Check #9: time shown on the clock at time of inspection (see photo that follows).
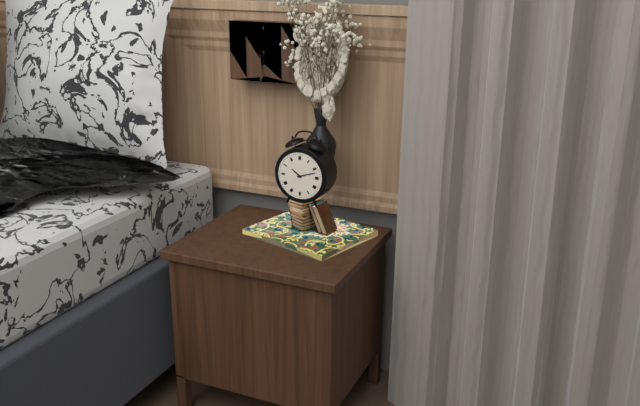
10:12
